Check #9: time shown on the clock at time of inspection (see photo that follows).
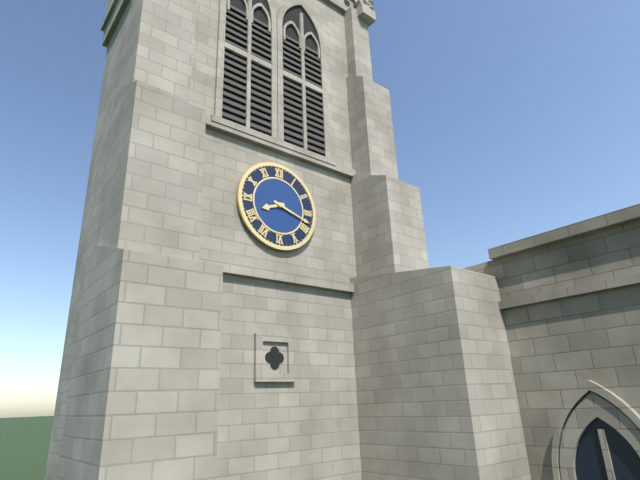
8:18
